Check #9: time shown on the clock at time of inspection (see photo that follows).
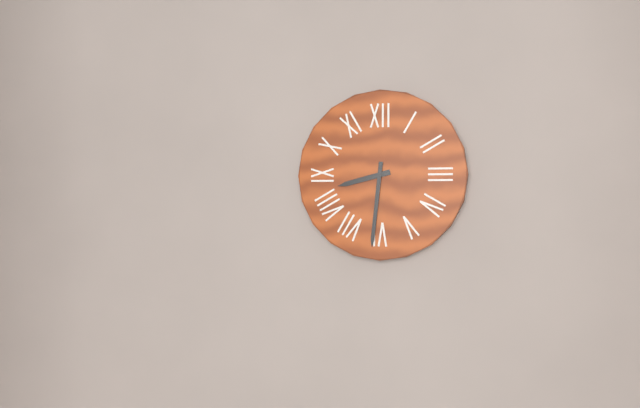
8:31
